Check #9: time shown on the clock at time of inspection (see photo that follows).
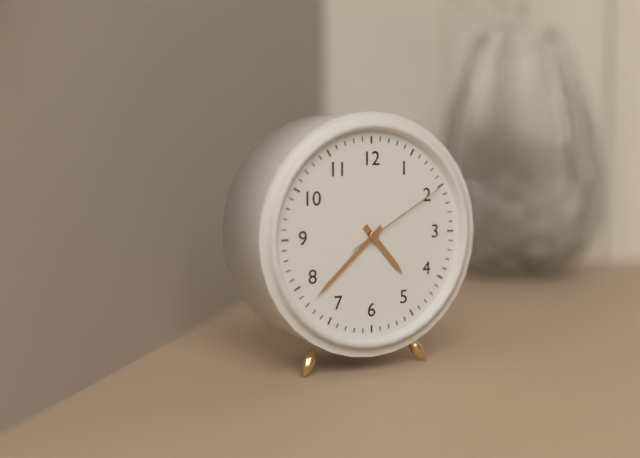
4:38:10
